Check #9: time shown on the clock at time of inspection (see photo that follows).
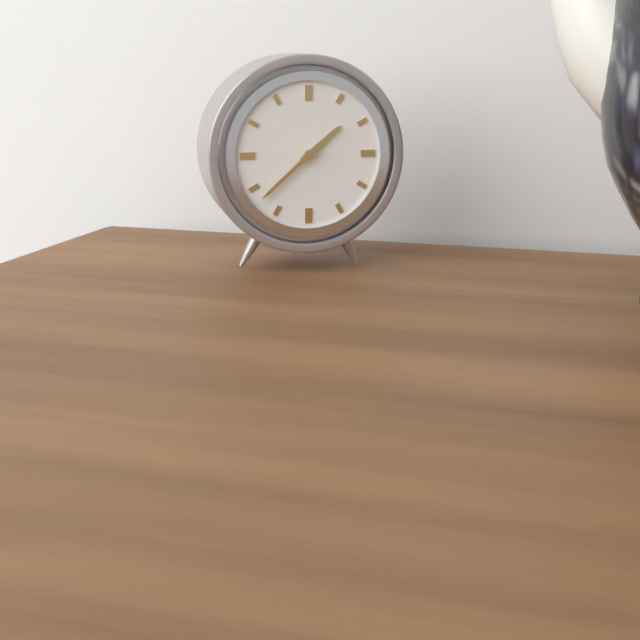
1:38
